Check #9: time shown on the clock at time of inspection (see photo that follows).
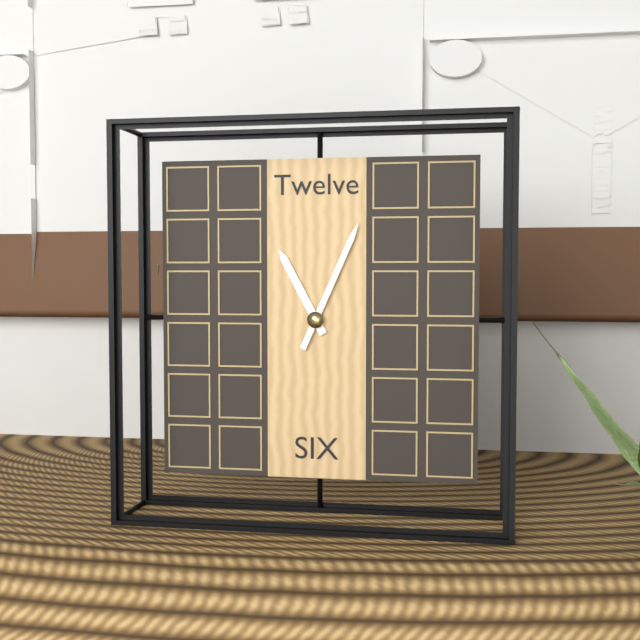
11:04
